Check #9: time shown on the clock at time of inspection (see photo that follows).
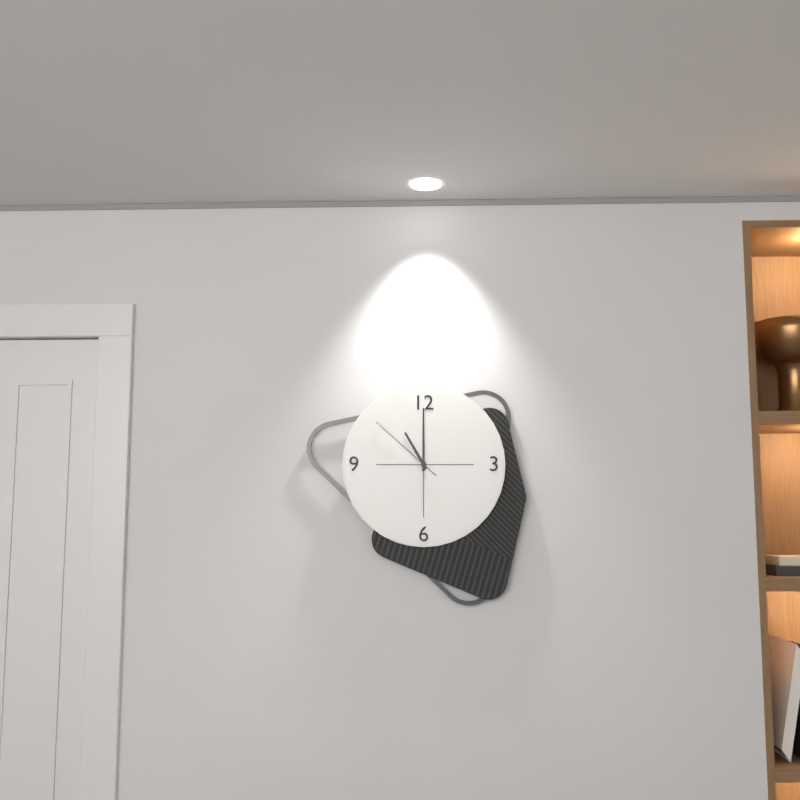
11:00:52
